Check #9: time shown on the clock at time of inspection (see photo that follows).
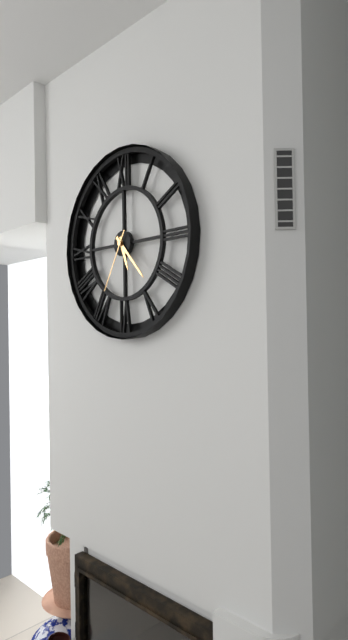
5:23:35
